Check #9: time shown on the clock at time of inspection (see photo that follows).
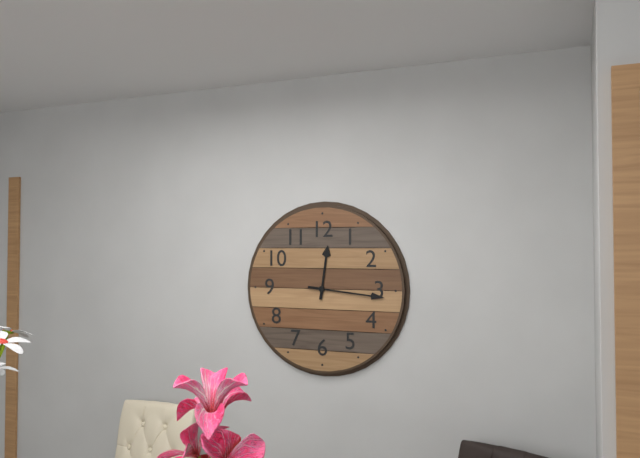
12:16
